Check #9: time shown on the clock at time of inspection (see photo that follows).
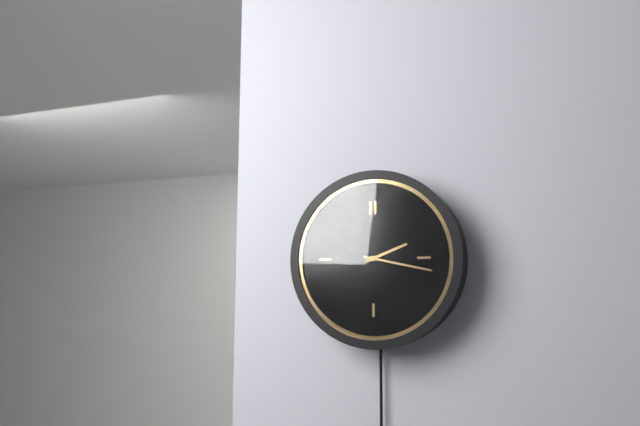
2:17
